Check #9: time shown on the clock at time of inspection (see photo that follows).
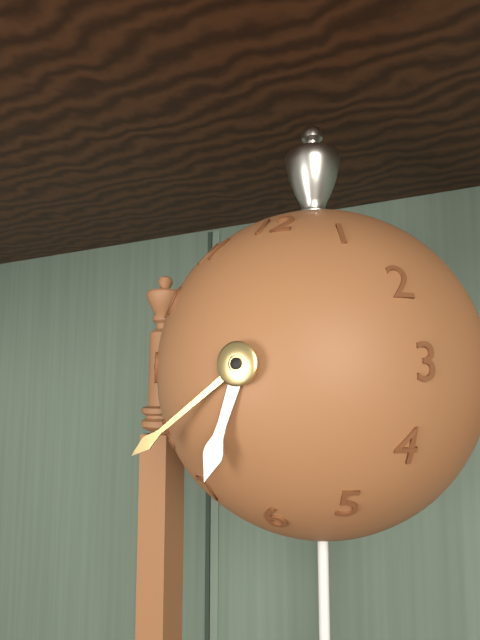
6:39
